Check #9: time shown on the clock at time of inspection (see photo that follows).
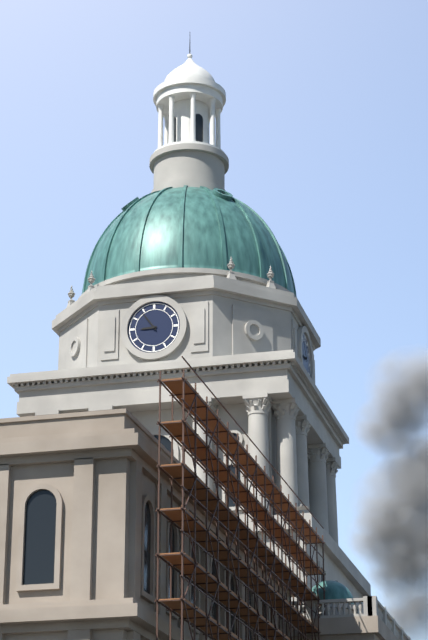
8:54
